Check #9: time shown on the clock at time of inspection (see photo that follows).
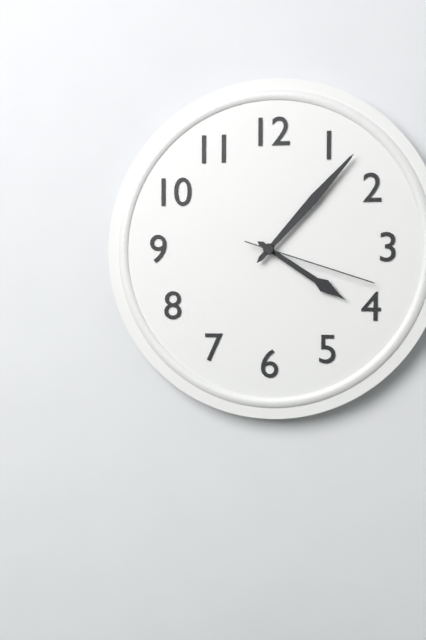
4:07:18
